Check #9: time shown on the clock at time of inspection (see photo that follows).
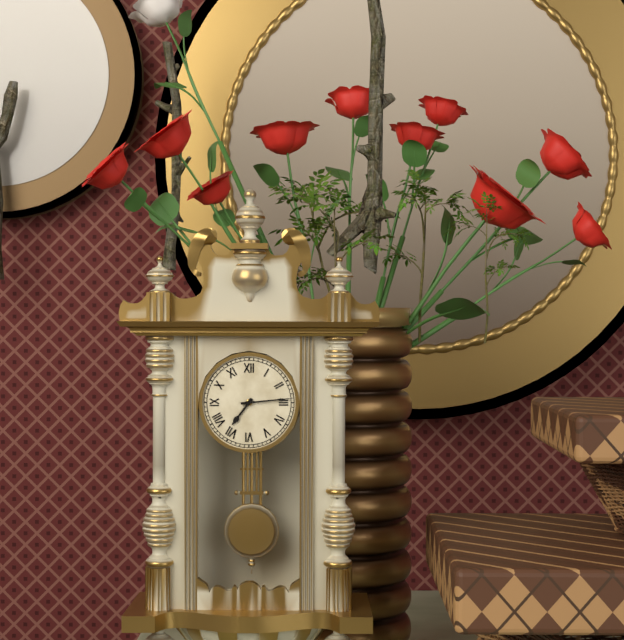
7:14
